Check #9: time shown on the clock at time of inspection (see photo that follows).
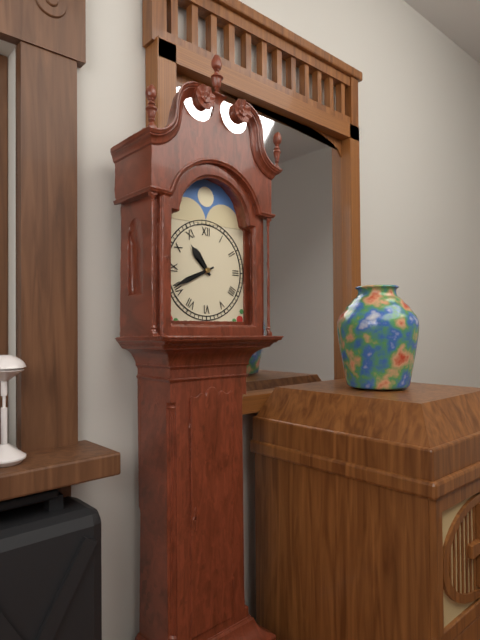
10:41
